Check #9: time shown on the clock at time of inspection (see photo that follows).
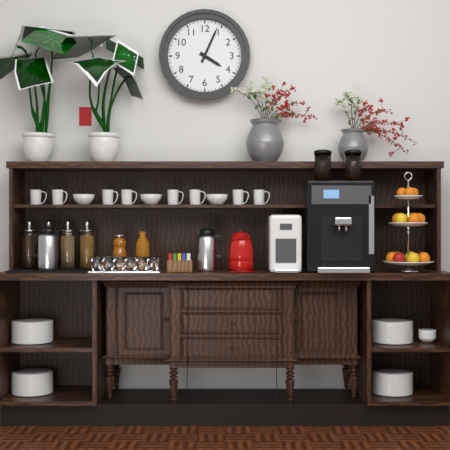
4:04
